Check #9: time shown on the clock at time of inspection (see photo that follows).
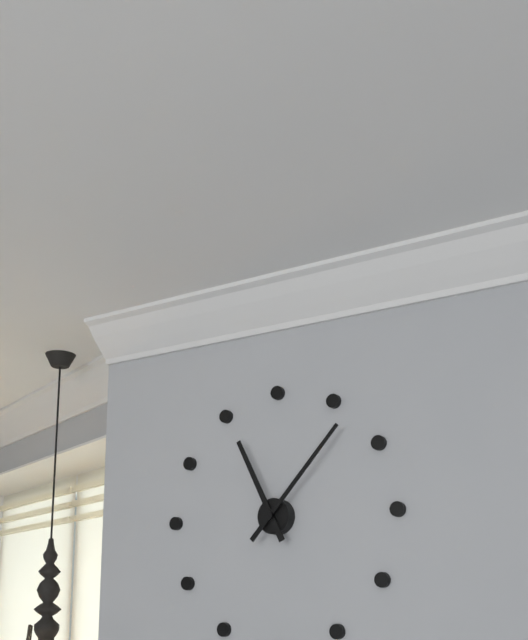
11:07
